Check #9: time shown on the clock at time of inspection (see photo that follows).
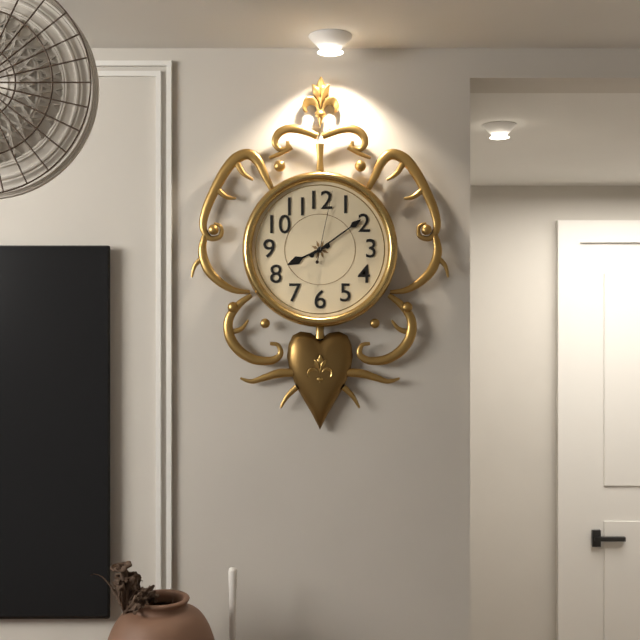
8:09:02
